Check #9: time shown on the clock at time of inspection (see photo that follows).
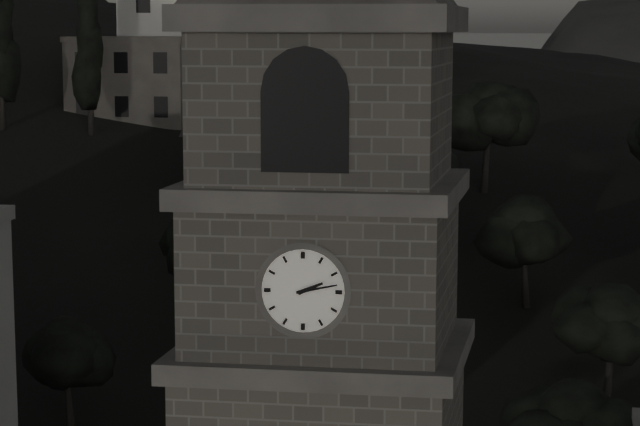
2:13
